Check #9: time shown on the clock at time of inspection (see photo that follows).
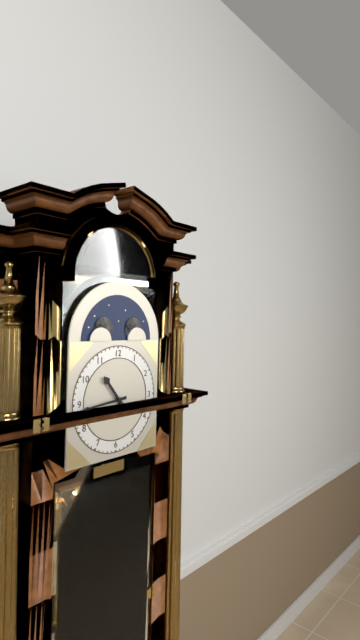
10:44
